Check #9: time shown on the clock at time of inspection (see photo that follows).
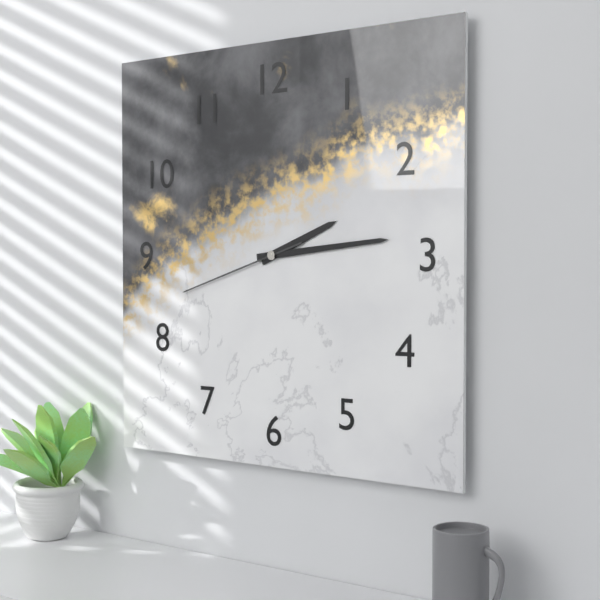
2:14:42
